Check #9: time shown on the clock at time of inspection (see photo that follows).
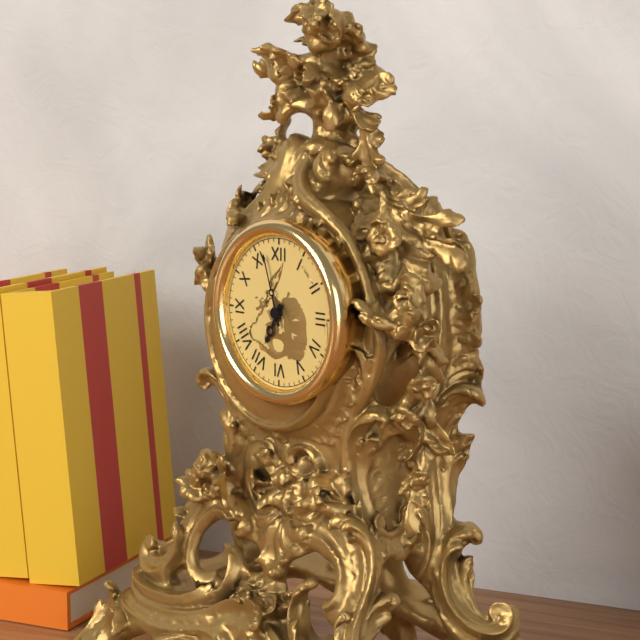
6:57
